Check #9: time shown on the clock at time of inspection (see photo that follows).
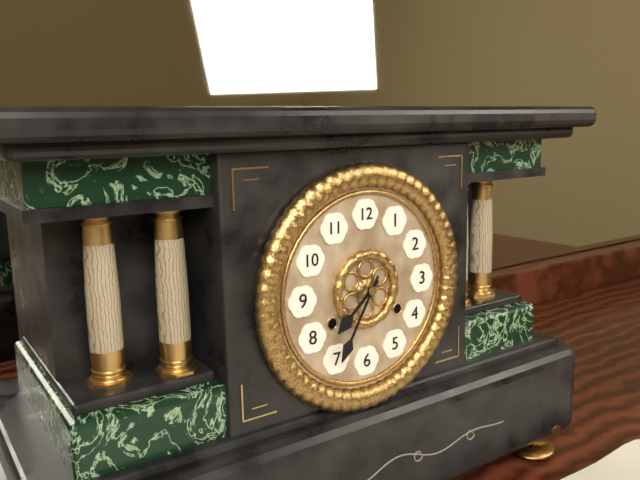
7:35
